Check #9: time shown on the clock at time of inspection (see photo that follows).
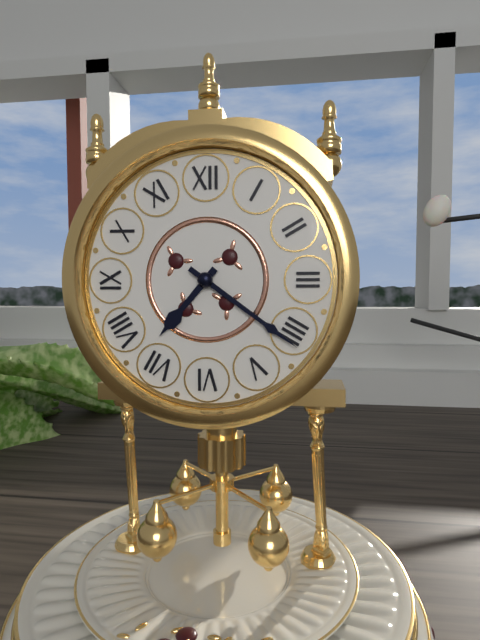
7:21
